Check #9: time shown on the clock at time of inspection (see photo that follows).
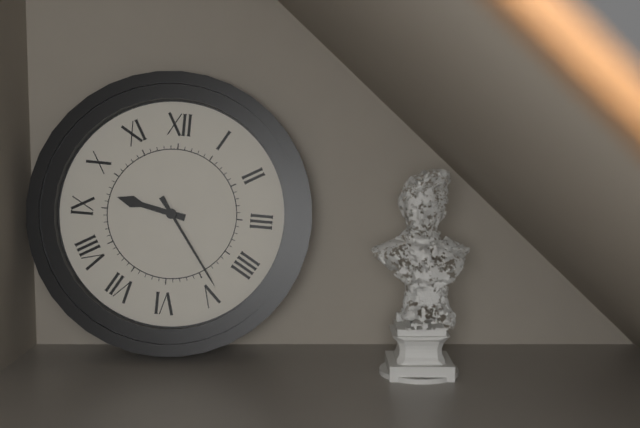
9:24
